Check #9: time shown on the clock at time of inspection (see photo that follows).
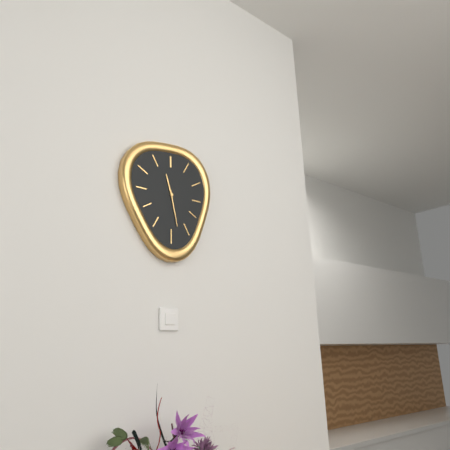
11:28
